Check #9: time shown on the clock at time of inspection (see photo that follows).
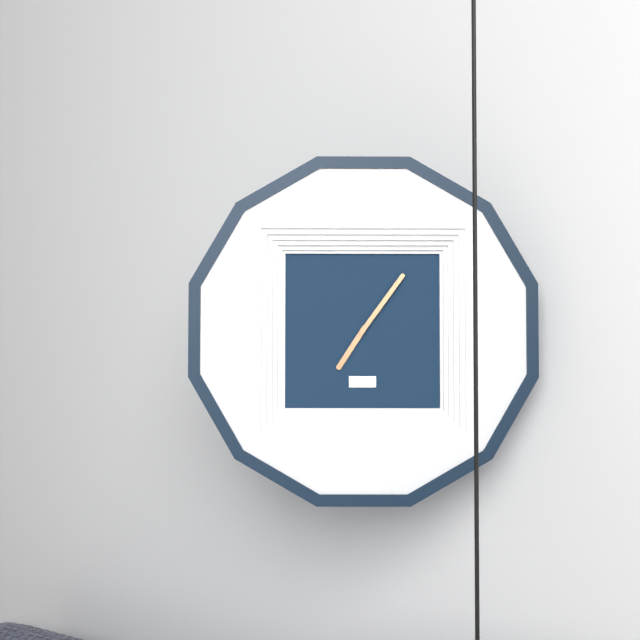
7:06
